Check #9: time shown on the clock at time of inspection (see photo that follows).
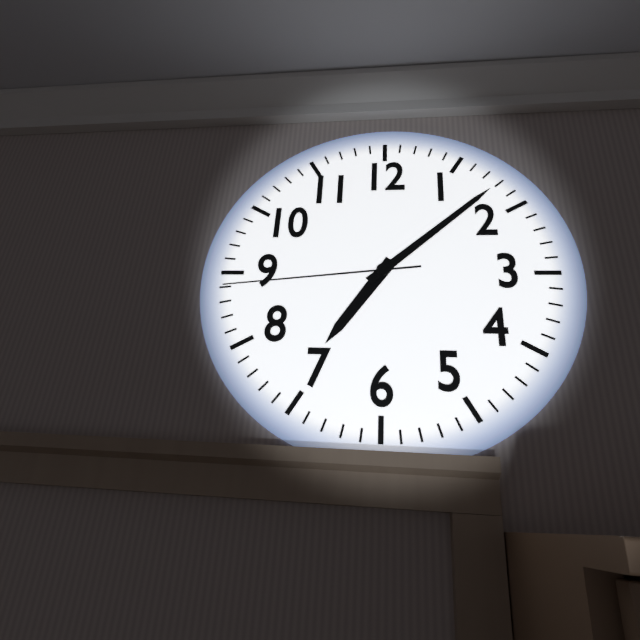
7:08:44
